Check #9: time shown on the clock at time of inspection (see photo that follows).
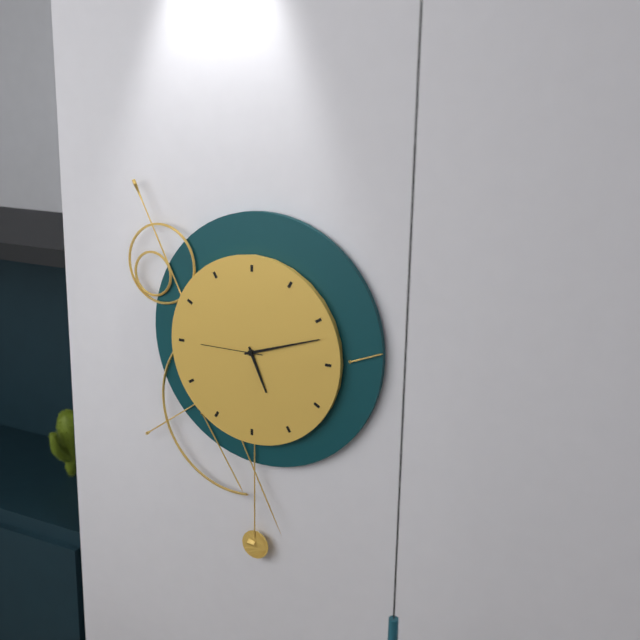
5:12:45
